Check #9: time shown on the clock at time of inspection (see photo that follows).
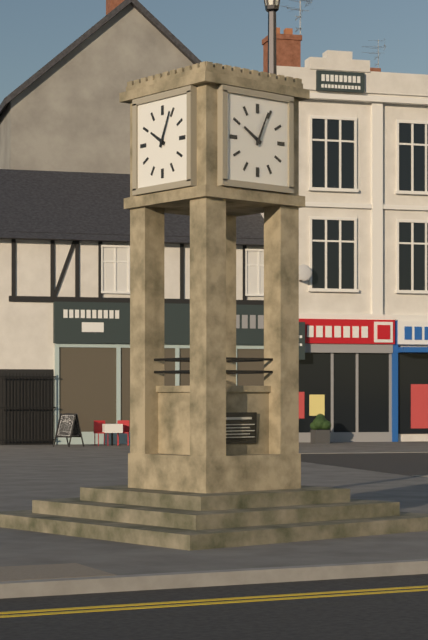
10:04
